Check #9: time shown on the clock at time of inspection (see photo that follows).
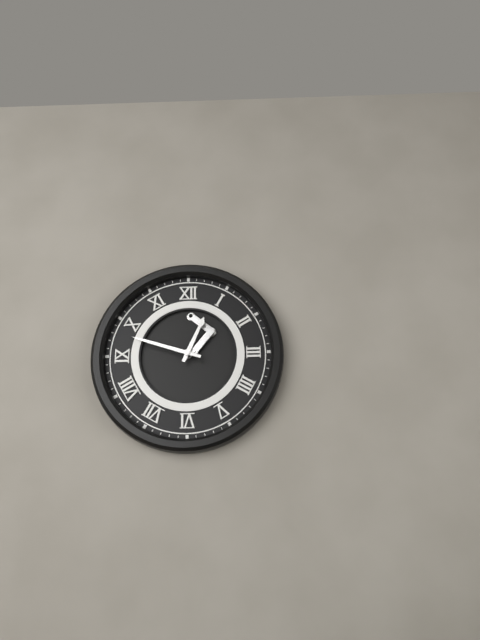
12:48
